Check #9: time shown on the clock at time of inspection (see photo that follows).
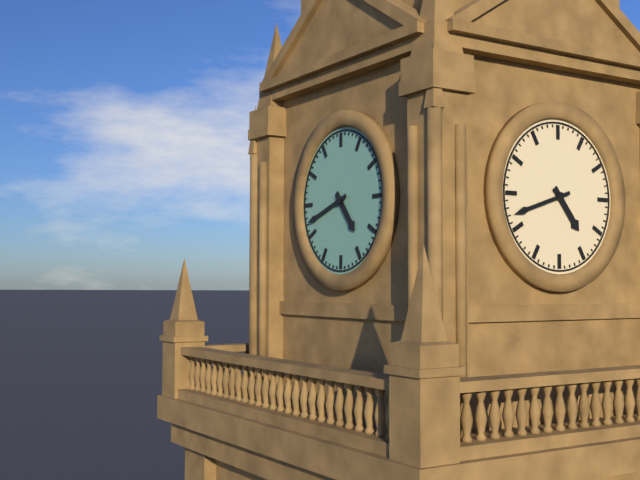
4:42
